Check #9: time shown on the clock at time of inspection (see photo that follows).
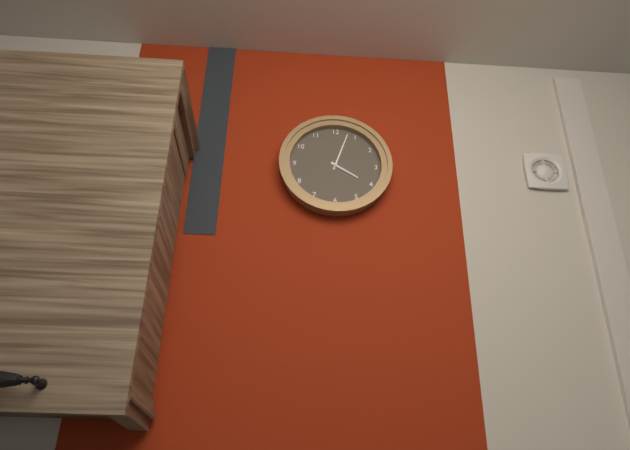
4:03
